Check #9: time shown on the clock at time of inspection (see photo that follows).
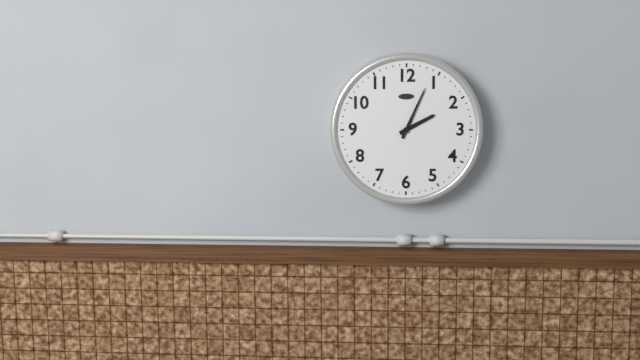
2:04
